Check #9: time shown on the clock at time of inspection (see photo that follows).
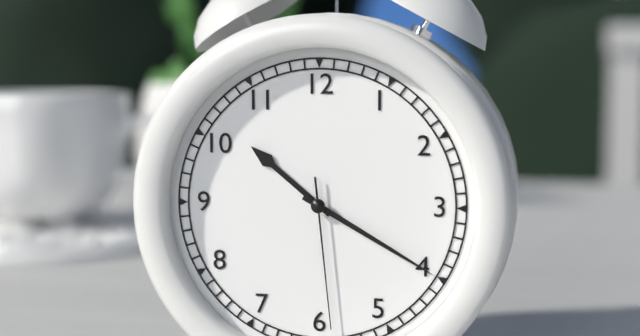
10:20:29
